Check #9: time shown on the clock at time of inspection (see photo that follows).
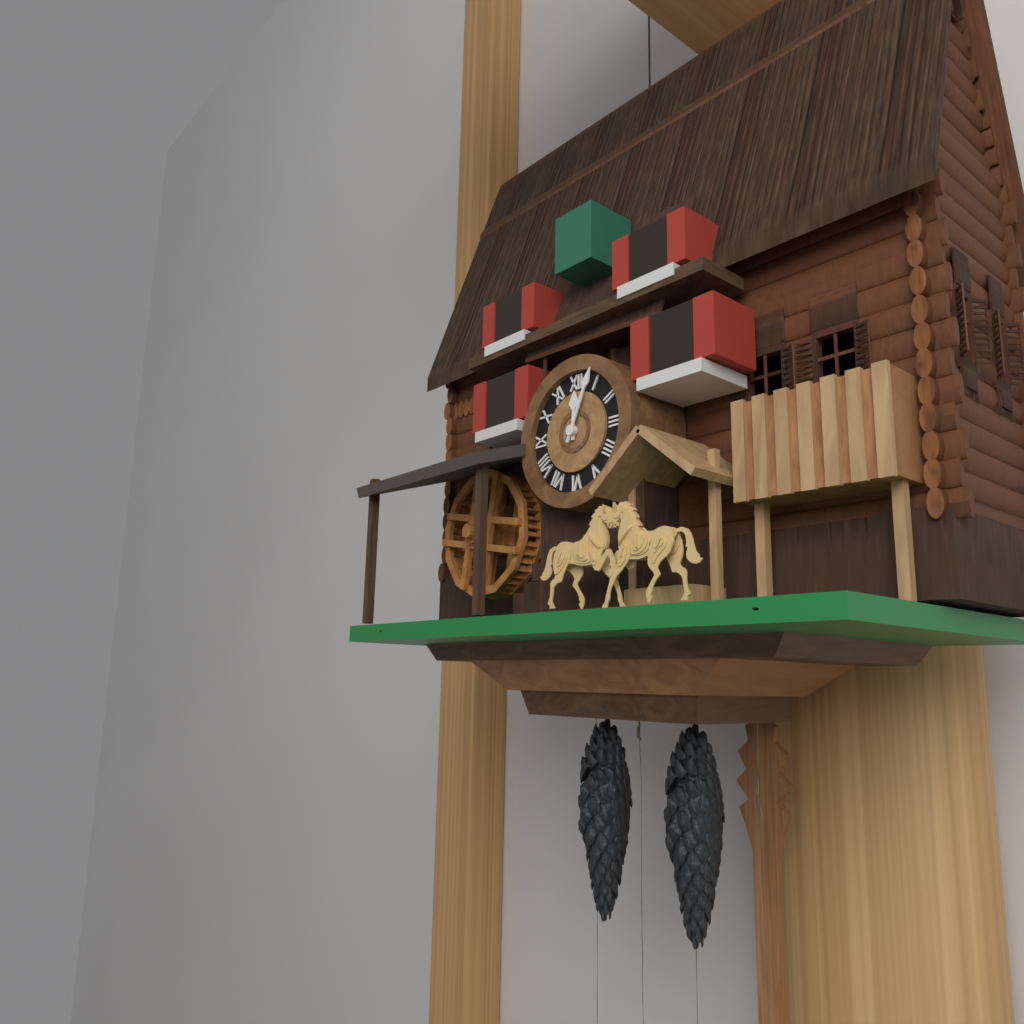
12:04
